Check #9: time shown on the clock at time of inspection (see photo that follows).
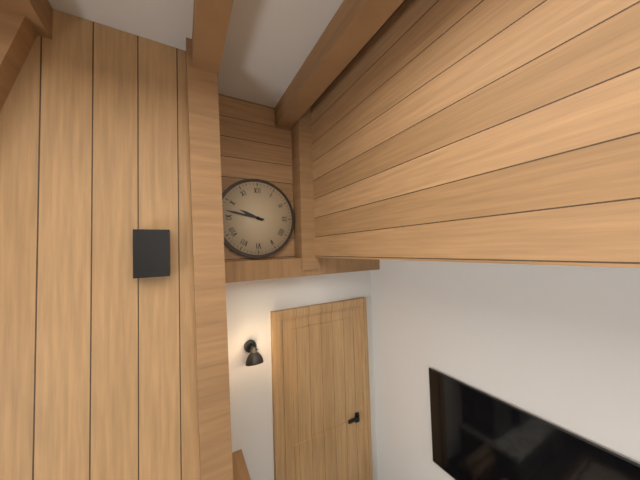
9:47
